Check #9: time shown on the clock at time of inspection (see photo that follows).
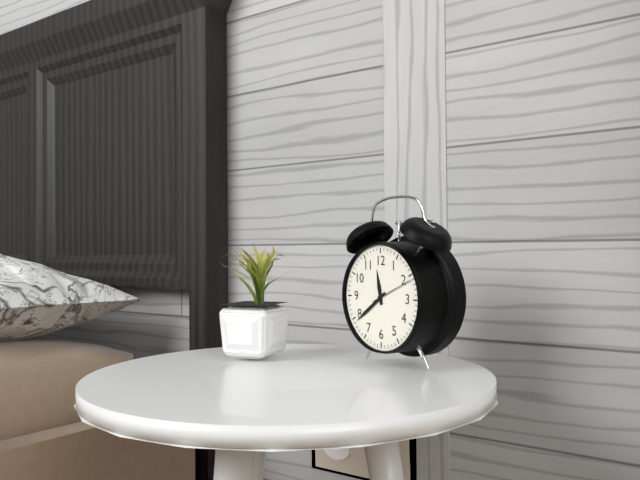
11:39
